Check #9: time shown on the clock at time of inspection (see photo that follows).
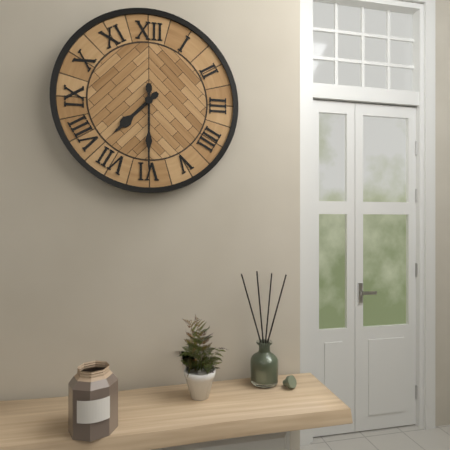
7:30
